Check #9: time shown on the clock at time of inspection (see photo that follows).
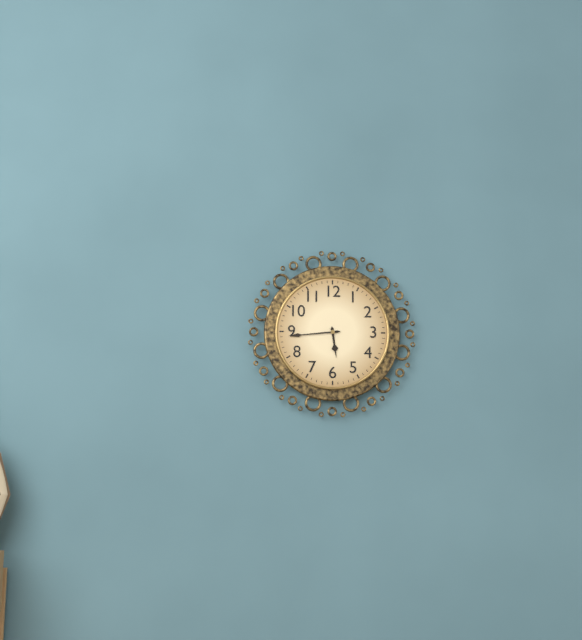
5:44
